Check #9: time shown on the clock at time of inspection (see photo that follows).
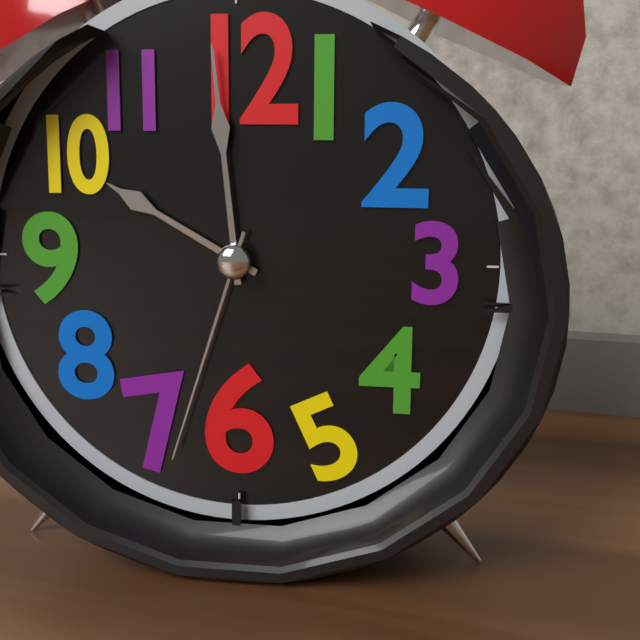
9:59:33
